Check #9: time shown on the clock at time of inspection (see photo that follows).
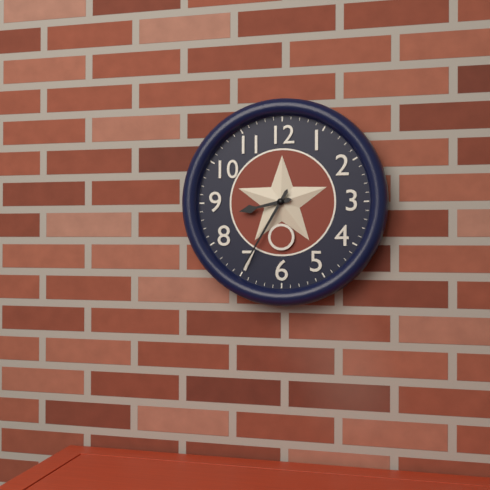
8:35
